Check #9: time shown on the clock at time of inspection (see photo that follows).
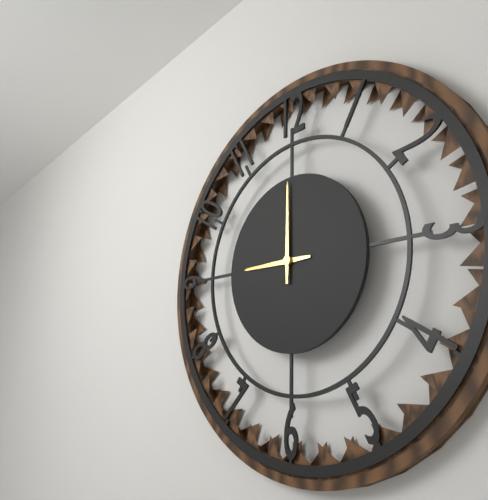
9:00
